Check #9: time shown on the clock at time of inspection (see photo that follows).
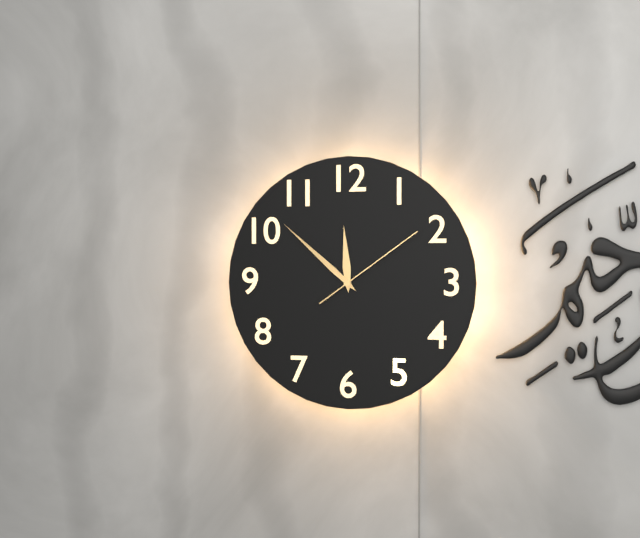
11:52:09
